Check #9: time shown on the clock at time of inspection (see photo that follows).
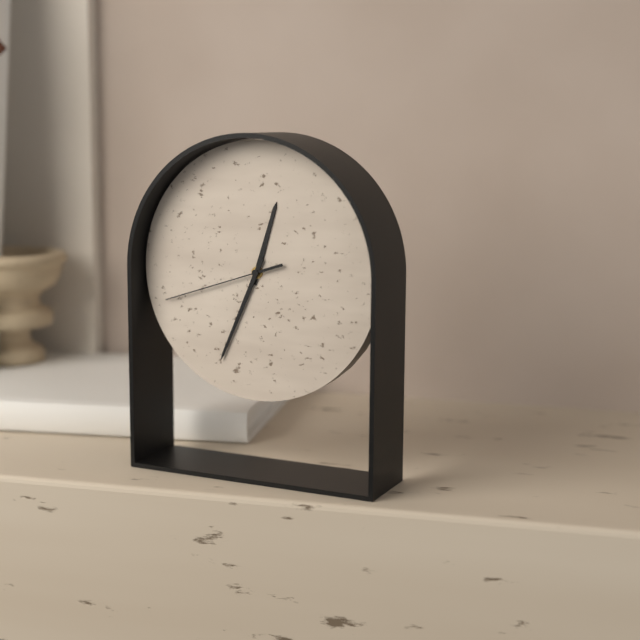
12:34:42
